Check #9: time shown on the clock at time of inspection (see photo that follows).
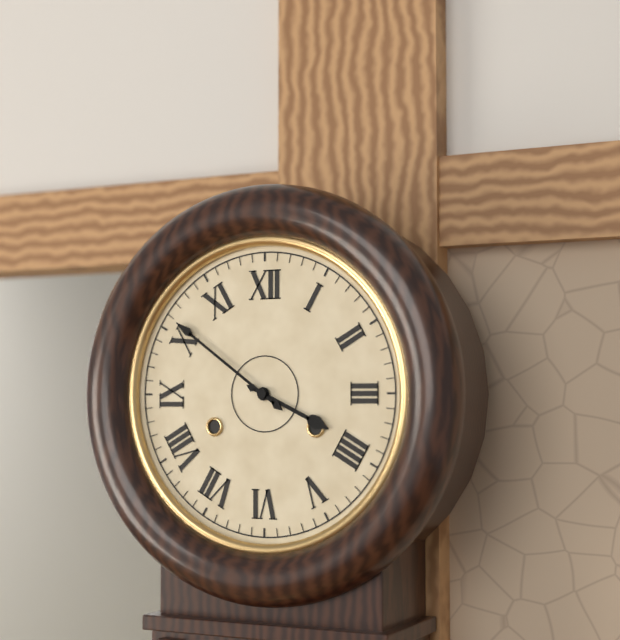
3:51
